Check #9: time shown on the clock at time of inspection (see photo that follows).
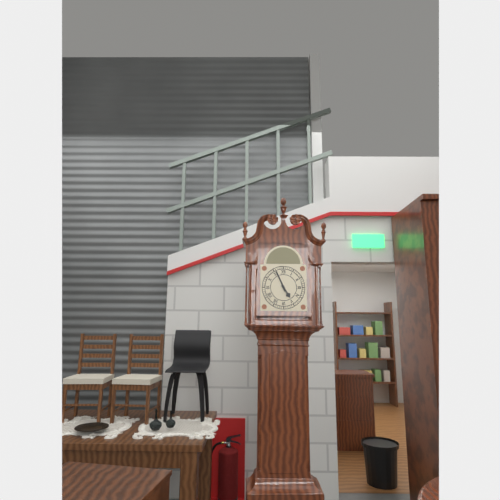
4:56
